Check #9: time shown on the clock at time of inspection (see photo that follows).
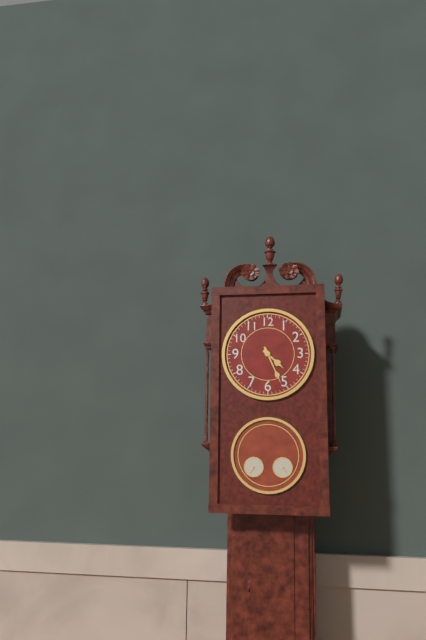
4:26
